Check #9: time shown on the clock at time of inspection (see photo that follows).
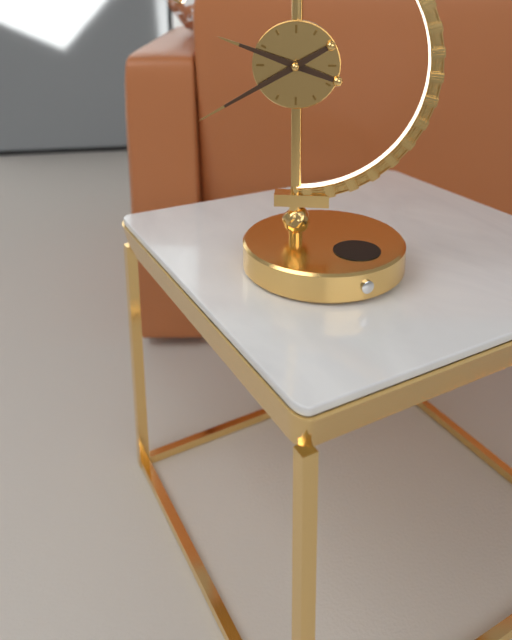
9:40
